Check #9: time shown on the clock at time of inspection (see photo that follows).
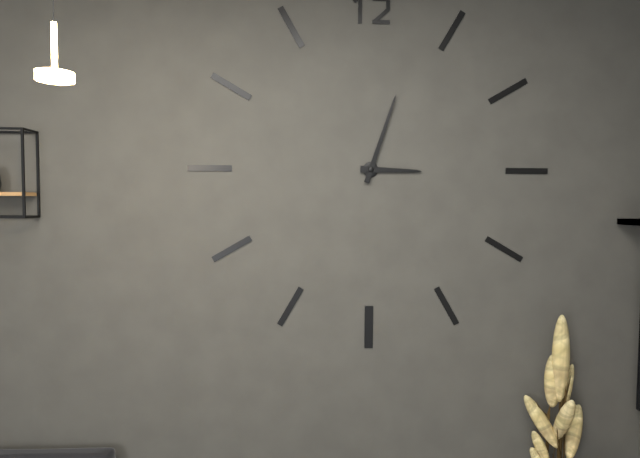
3:03
